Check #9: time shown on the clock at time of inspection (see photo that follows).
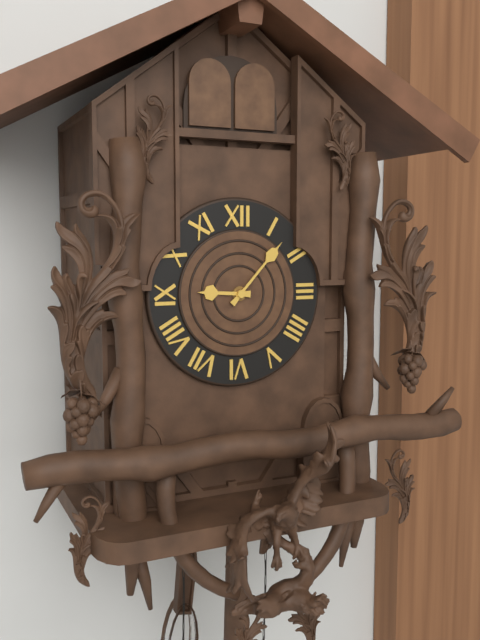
9:07
